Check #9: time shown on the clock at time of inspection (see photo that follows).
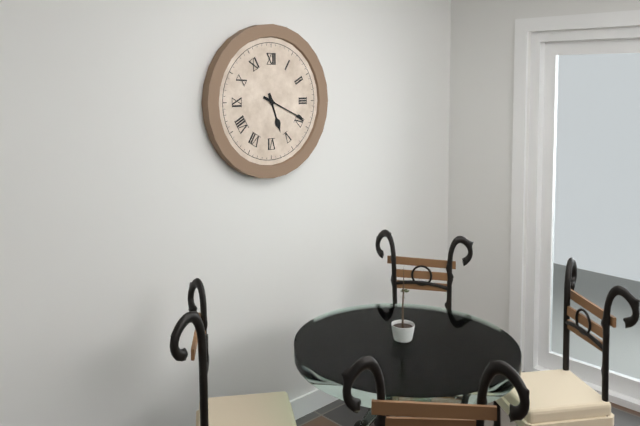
5:19
